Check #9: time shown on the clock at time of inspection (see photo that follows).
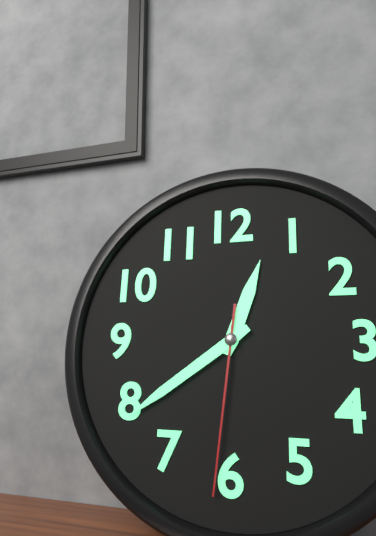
12:39:31
